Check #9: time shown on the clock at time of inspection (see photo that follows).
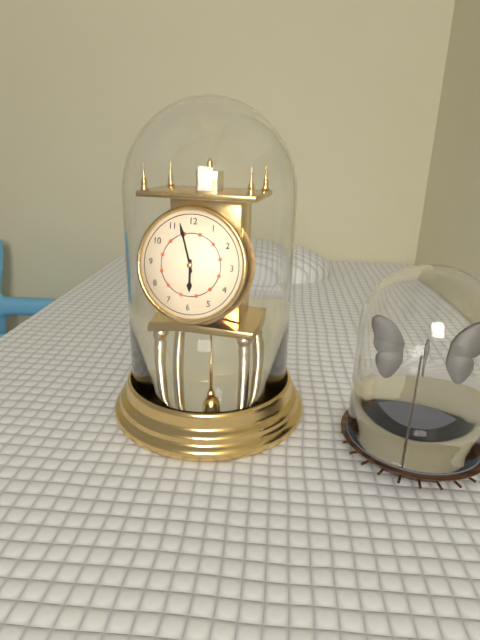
5:57
